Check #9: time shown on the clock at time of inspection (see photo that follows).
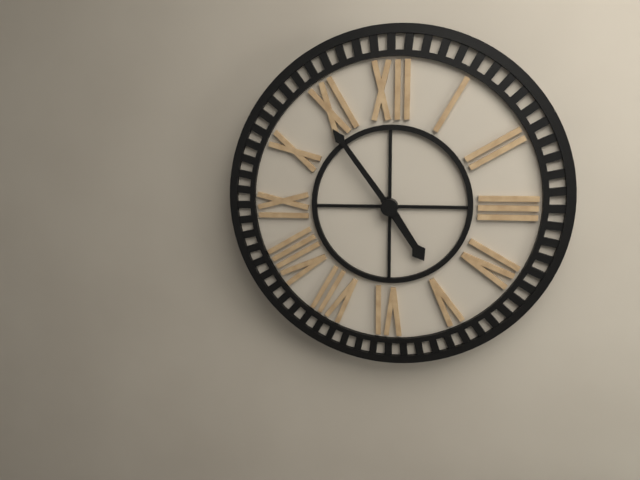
4:54
